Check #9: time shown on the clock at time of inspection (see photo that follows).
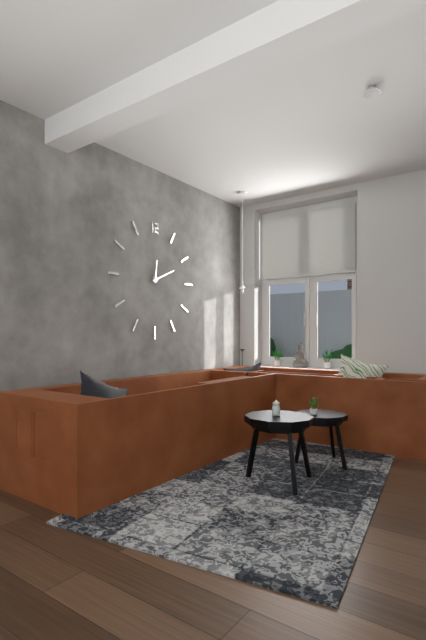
12:11
